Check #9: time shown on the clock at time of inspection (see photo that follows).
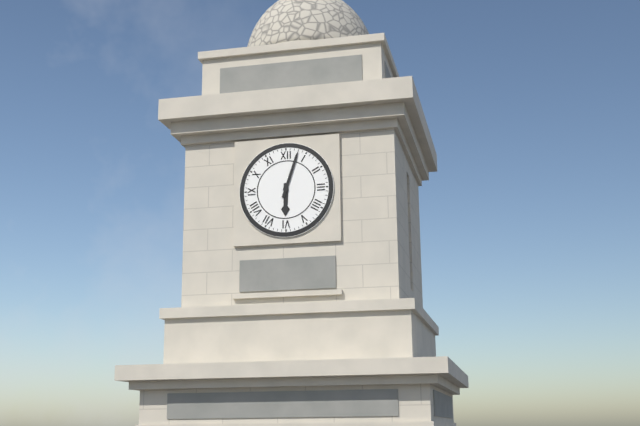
6:03
